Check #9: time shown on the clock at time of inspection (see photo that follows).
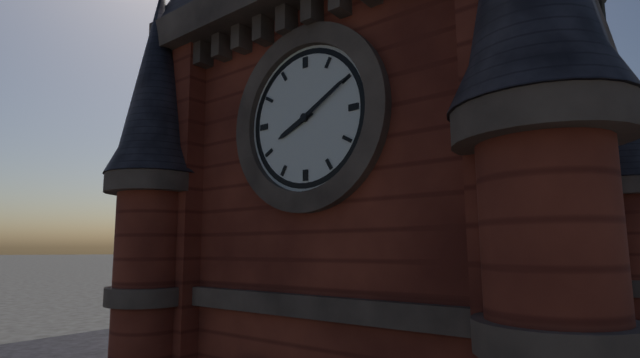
8:10
